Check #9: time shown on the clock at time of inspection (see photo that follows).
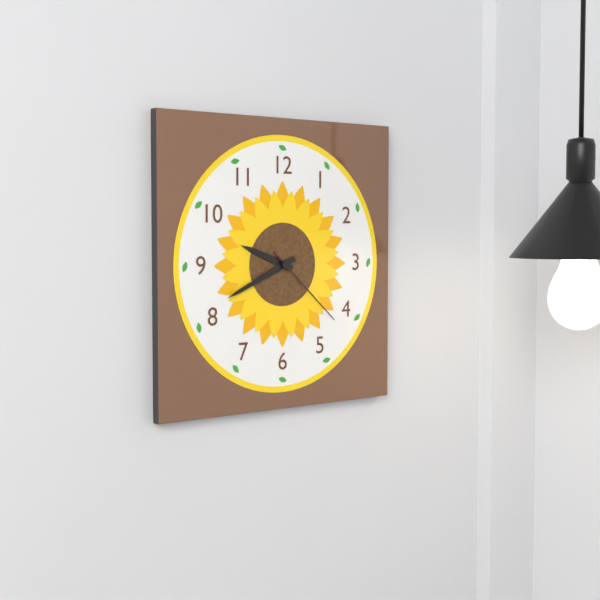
9:41:22
